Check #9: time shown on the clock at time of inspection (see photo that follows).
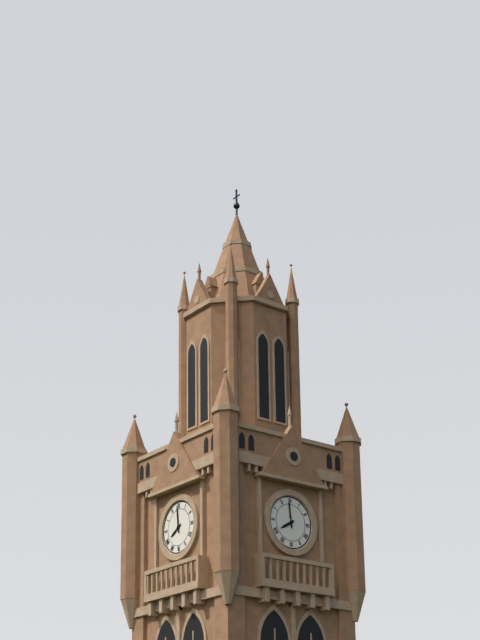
7:59
